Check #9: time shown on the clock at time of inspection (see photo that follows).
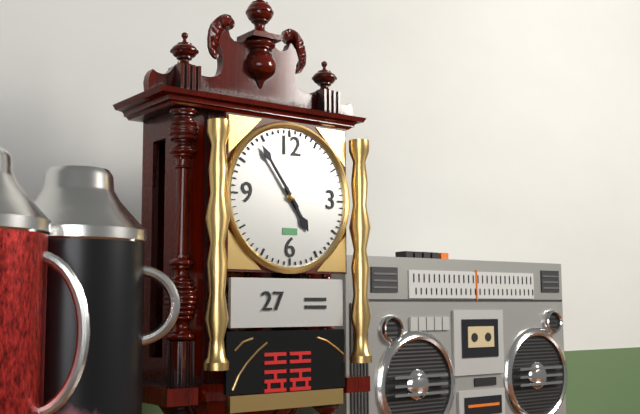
4:54
